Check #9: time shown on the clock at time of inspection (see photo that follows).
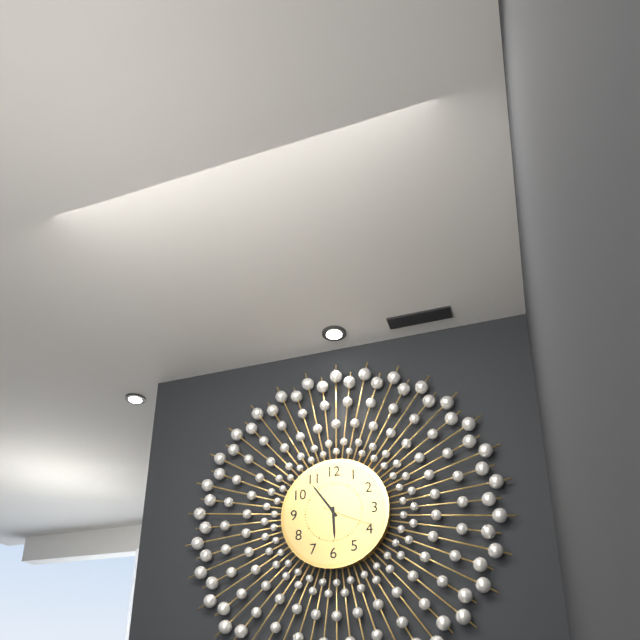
5:54:19
